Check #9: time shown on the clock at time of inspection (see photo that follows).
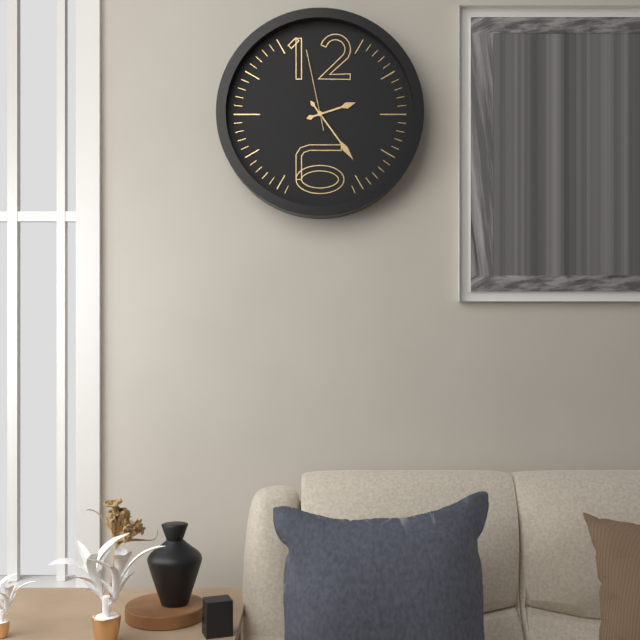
2:24:58
